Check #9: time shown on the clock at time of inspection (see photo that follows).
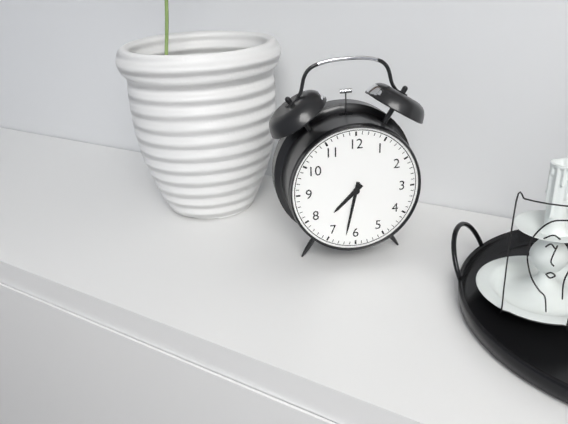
7:32
